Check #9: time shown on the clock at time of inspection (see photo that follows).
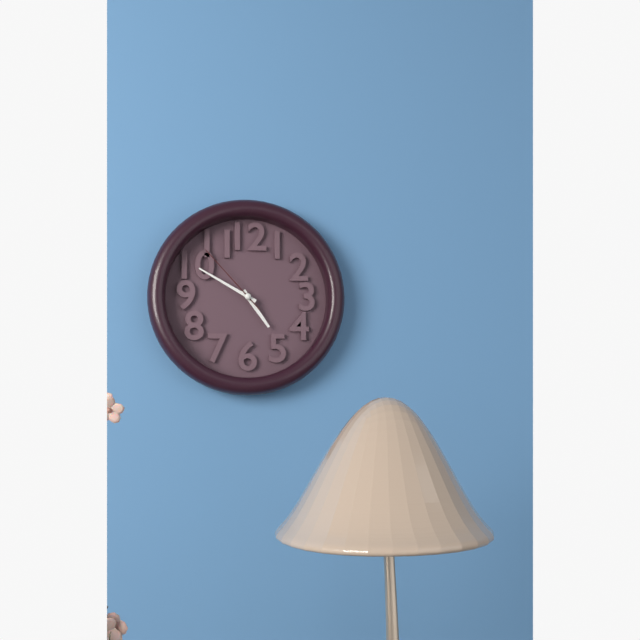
4:50:53
